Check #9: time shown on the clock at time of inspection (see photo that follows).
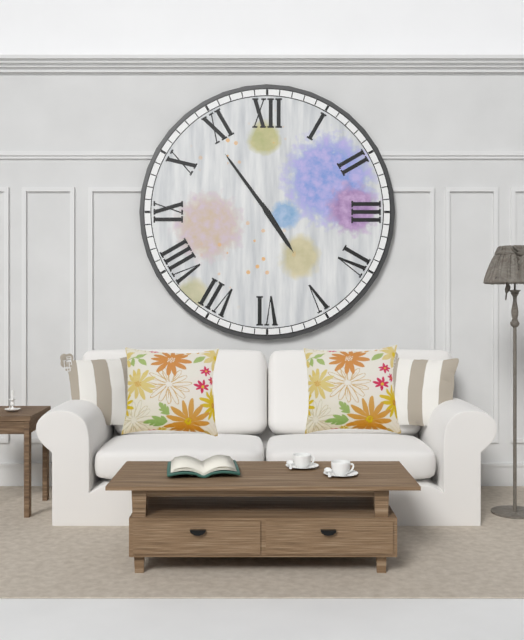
4:54
